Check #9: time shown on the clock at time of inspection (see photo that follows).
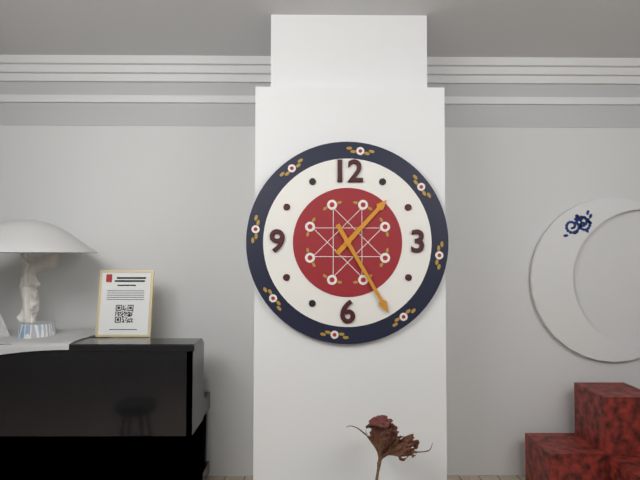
1:25
